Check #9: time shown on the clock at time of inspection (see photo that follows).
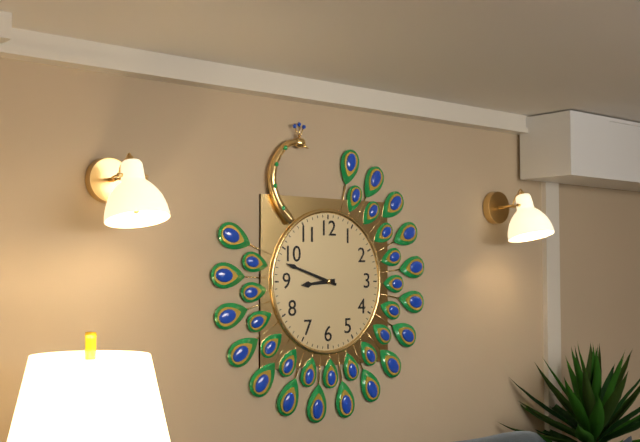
8:48
